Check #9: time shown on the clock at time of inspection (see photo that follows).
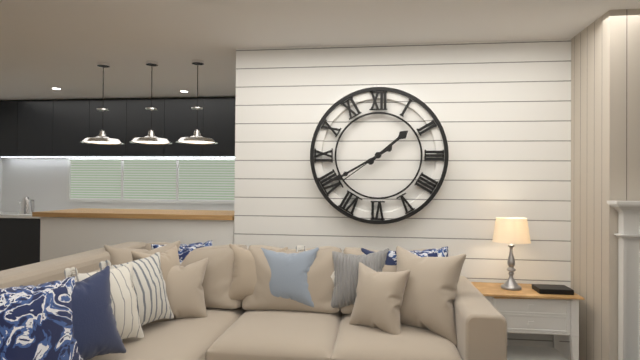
1:40:39
